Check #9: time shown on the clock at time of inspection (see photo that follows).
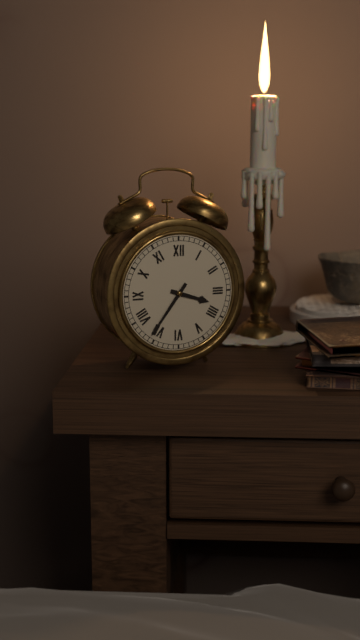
3:36
